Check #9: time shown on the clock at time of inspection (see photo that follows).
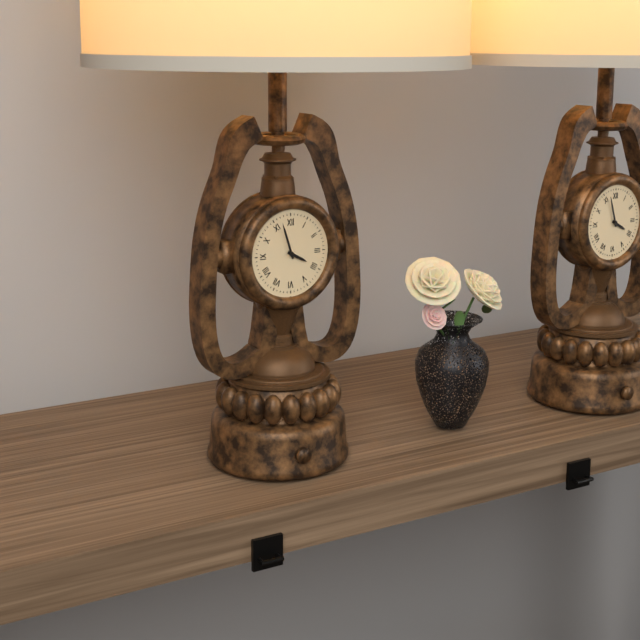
3:57
